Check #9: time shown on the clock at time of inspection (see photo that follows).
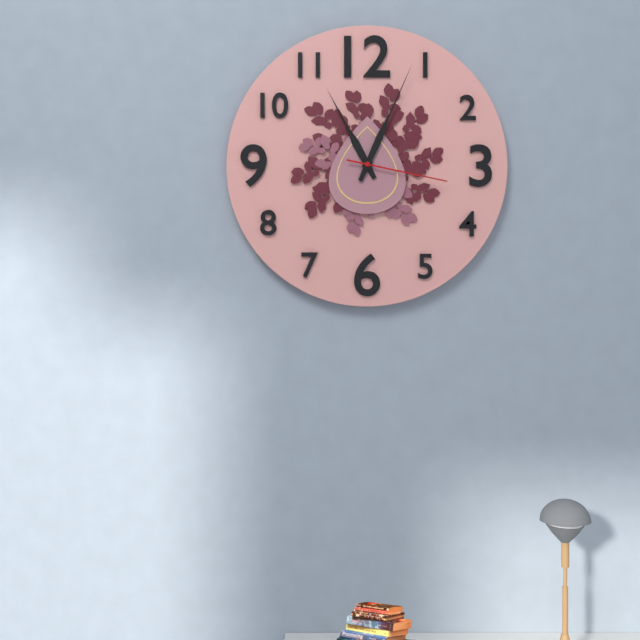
11:04:17
